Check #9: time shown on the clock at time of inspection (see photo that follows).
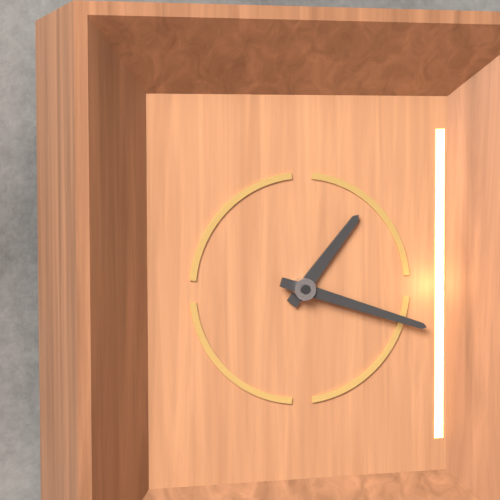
1:18
